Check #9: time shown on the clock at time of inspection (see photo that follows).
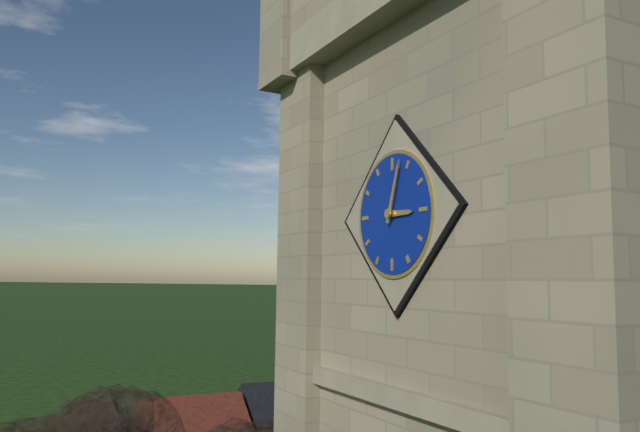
3:03
